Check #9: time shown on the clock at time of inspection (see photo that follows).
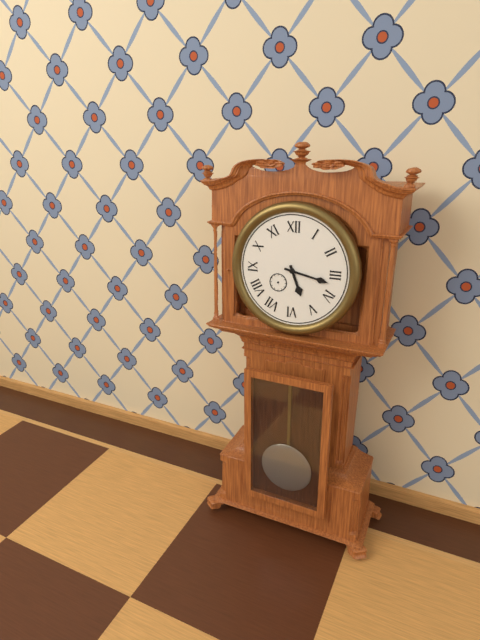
5:17
